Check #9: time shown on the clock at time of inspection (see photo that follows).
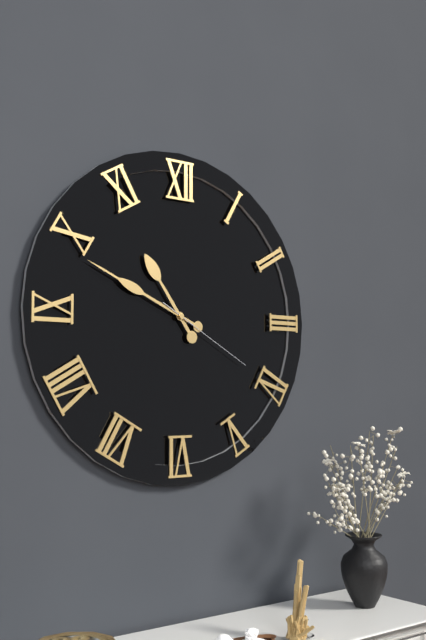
10:49:20
